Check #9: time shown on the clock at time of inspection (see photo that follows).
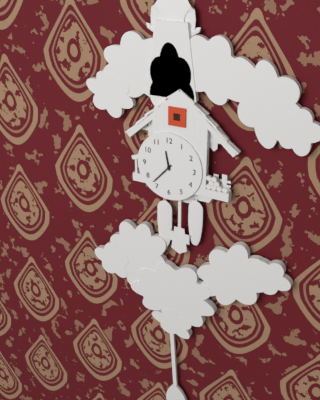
11:37
